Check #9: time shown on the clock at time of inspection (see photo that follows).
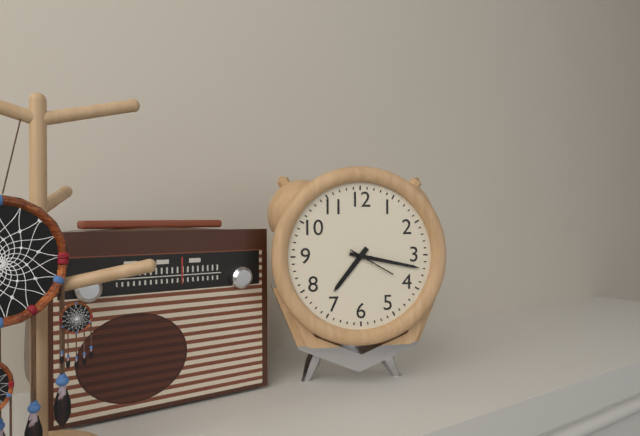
7:17
